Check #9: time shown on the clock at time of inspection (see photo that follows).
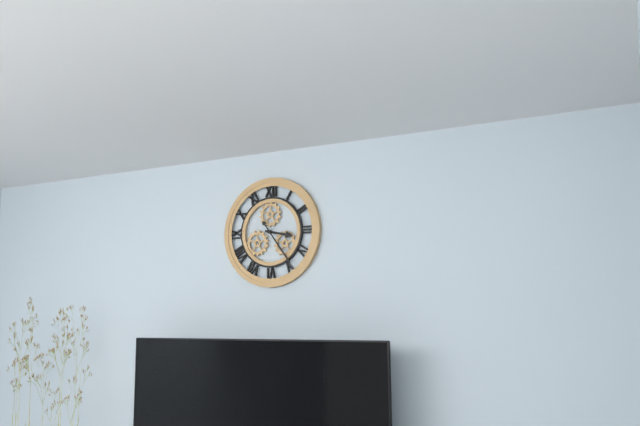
3:24
